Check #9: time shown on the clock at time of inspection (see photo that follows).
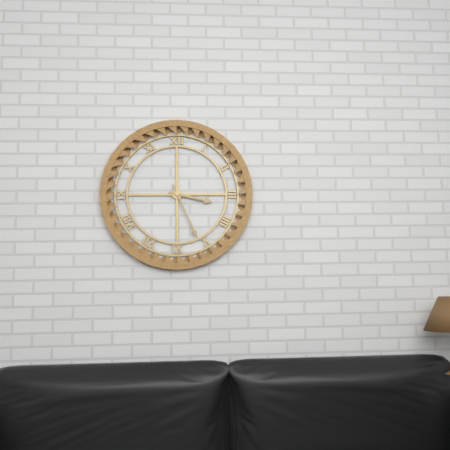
3:26
